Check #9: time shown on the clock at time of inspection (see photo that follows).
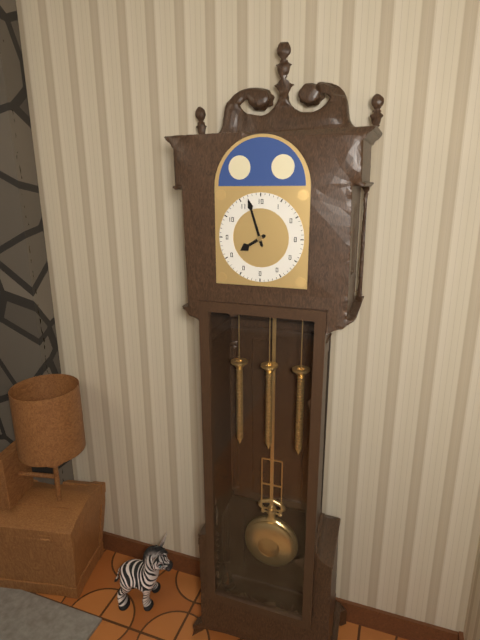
7:57
